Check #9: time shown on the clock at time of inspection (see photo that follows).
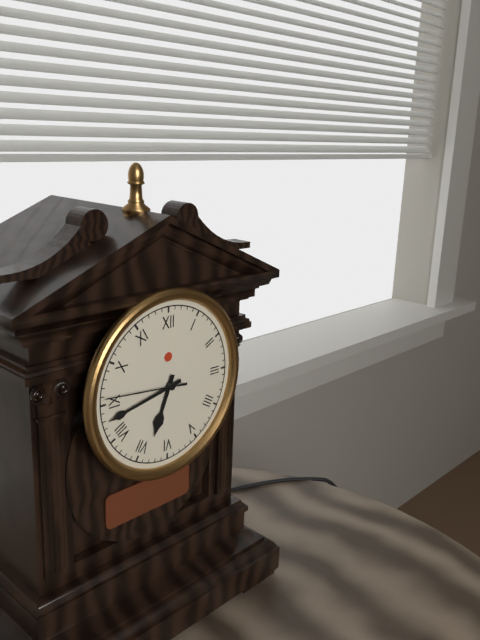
6:43:46
